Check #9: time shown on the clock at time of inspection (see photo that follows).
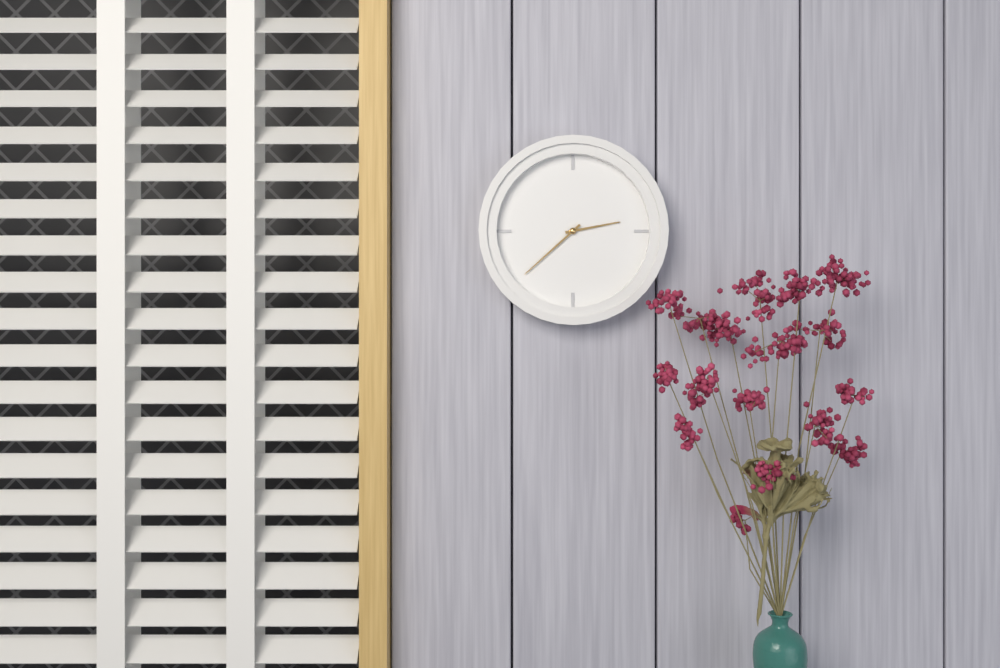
2:38
